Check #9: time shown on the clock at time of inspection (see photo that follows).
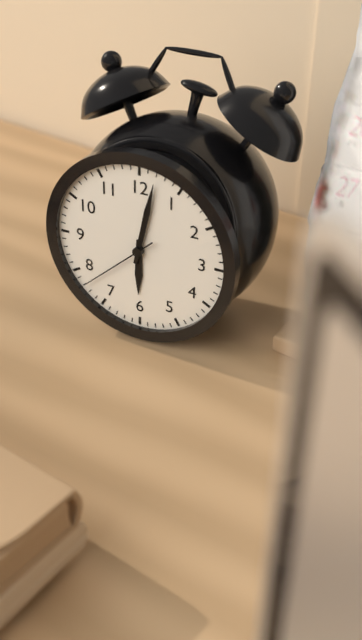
6:02:38
